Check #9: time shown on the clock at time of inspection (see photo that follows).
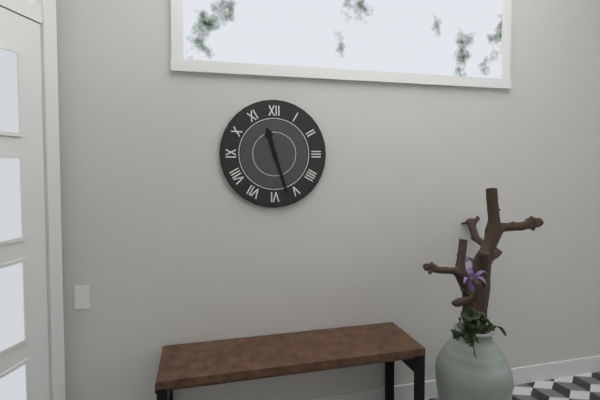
11:27
